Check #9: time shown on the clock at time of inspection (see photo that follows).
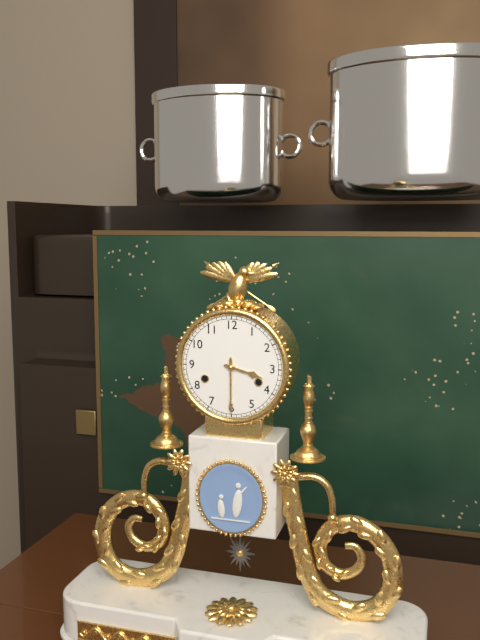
3:30
